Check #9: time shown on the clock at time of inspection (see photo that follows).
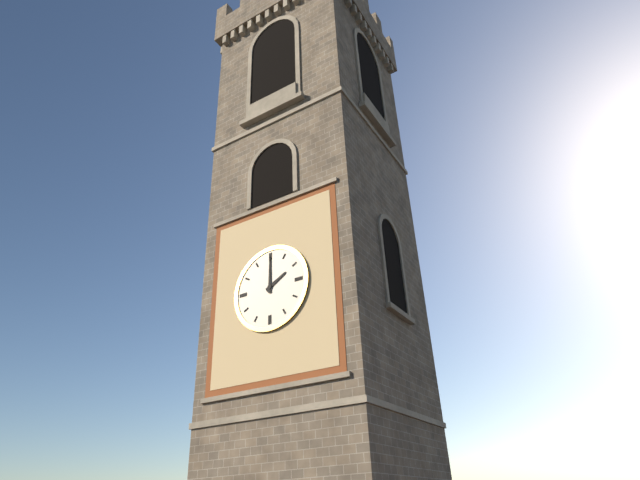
2:00
